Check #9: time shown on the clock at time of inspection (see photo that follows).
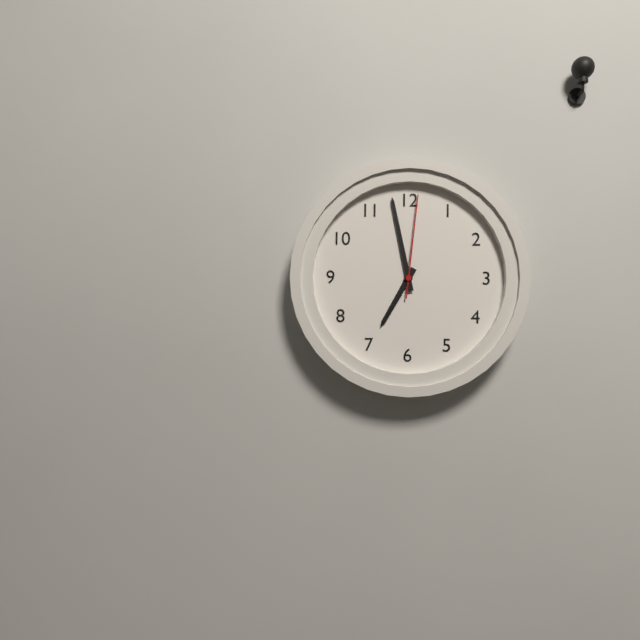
6:58:01
